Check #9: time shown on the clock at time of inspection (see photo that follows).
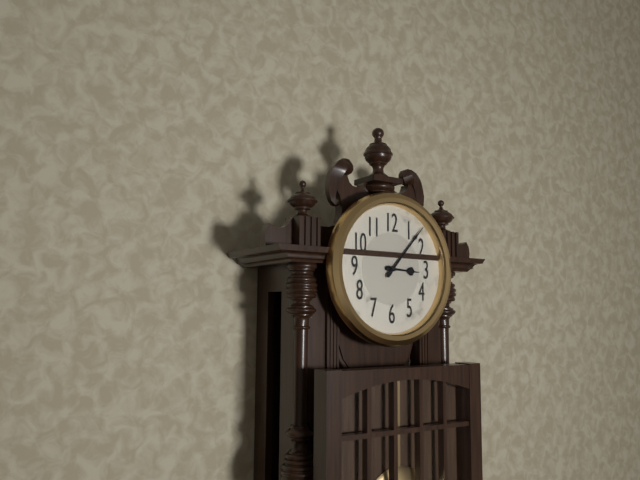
3:07
